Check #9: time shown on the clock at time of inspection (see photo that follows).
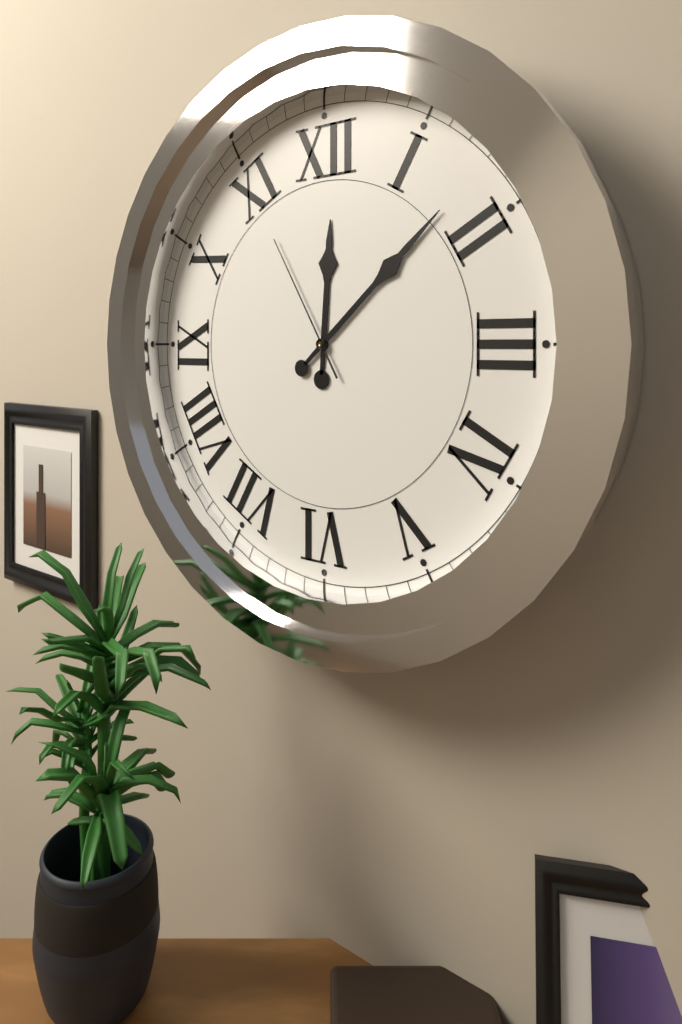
12:08:55
